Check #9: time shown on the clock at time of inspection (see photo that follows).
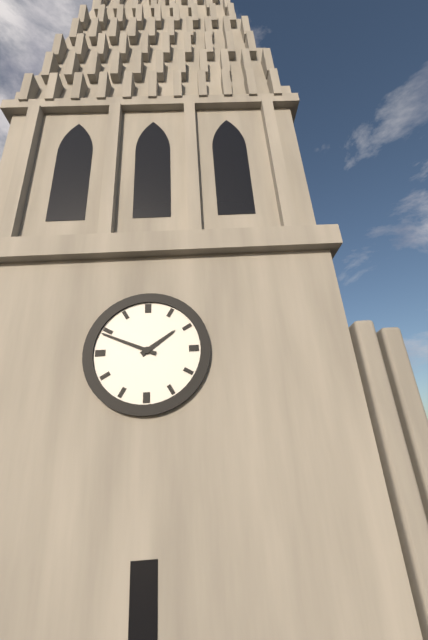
1:49
